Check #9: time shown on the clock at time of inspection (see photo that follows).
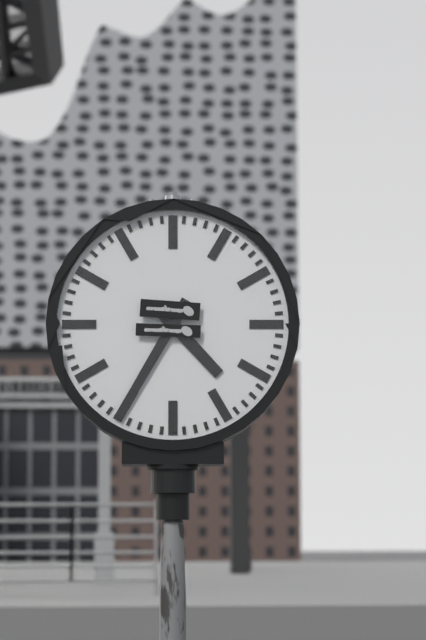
4:35
